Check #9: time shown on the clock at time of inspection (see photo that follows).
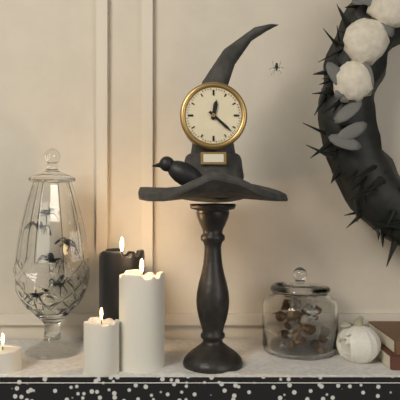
12:22
